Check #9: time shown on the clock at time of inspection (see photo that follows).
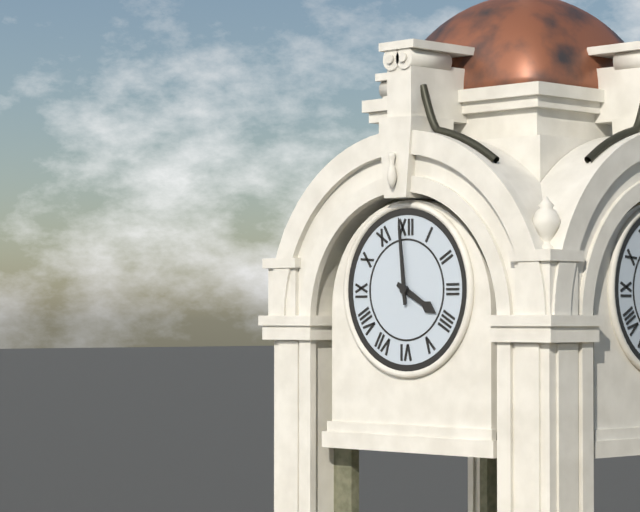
3:59
